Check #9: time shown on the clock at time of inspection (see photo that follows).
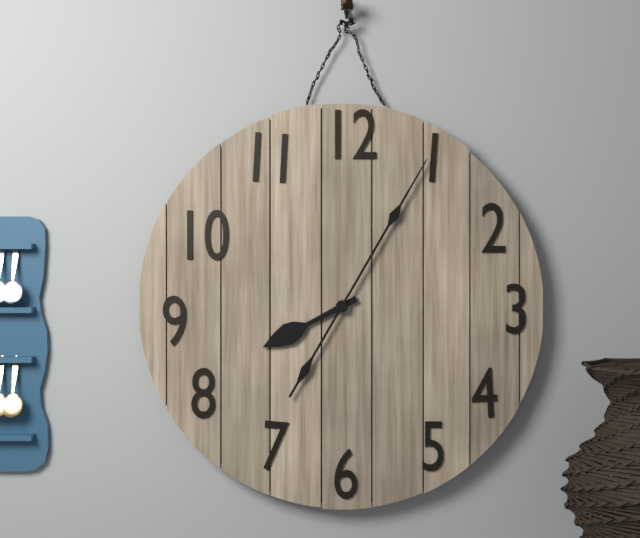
8:05
